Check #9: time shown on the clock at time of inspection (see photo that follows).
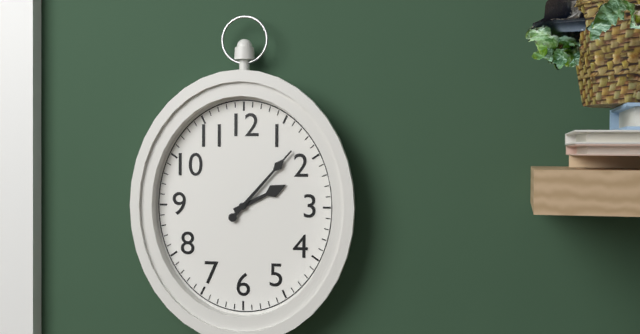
2:07
